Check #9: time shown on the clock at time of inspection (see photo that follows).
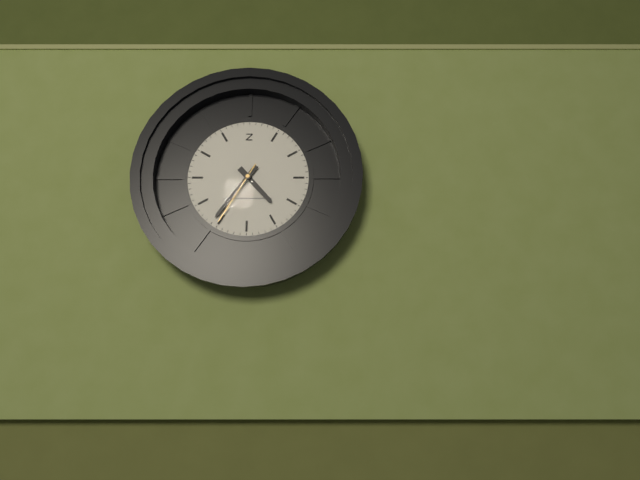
4:36:35
